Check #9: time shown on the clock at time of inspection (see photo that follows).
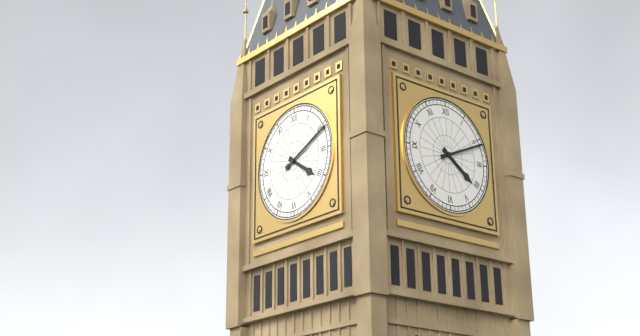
4:11
